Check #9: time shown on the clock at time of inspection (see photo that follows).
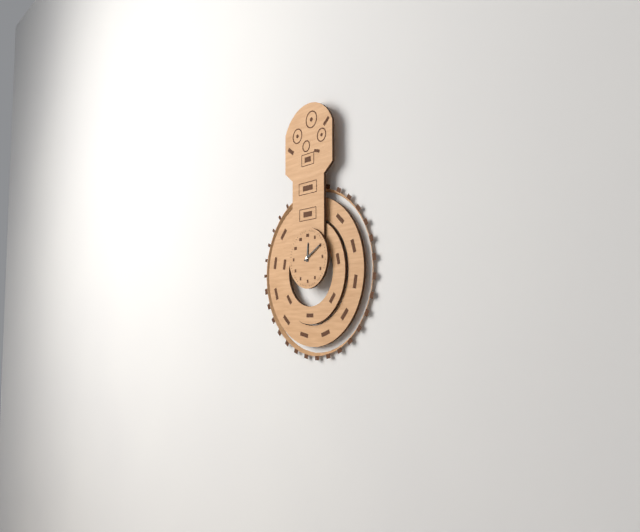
12:10
